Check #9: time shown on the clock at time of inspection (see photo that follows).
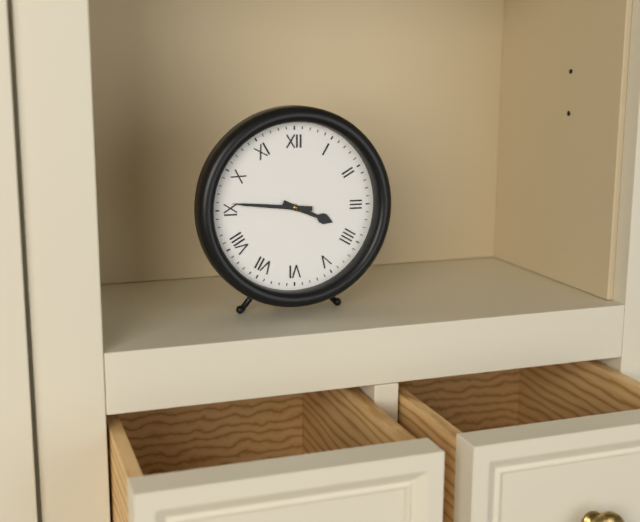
3:46
